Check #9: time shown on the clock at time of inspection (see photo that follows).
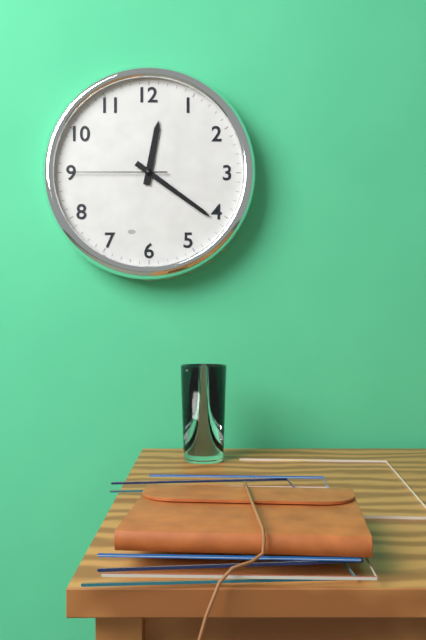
12:21:45
